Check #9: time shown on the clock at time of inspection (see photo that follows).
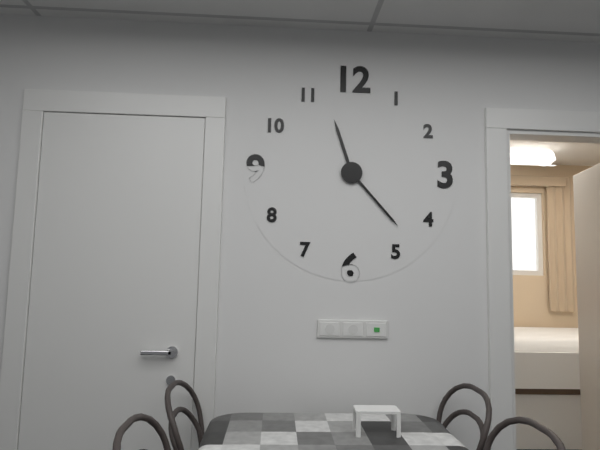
11:23
